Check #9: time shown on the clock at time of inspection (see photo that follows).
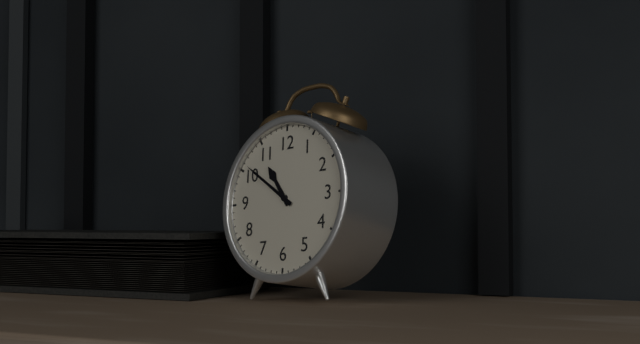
10:51
